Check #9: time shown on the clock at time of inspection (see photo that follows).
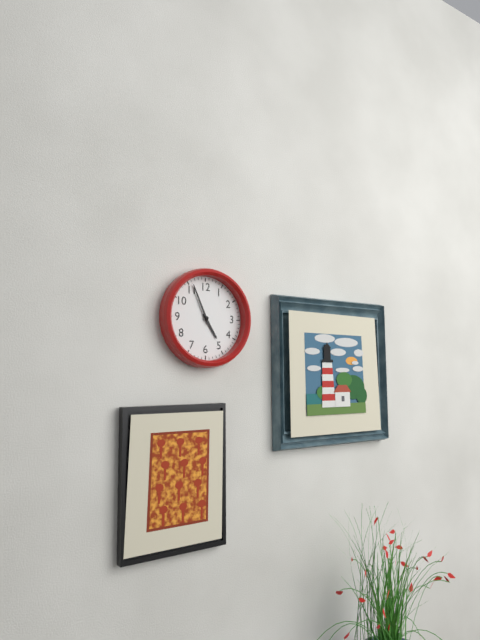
4:56
